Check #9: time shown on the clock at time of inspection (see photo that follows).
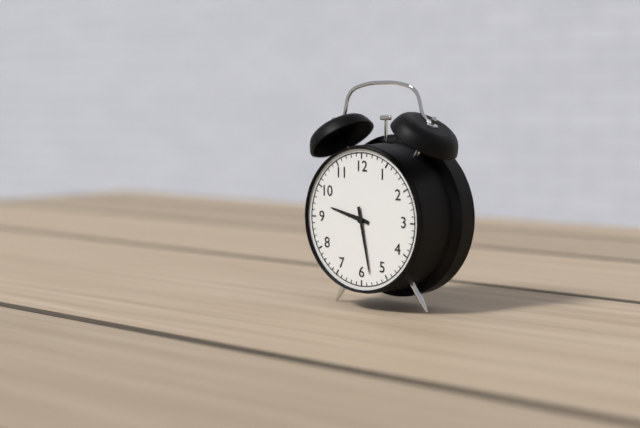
9:28
